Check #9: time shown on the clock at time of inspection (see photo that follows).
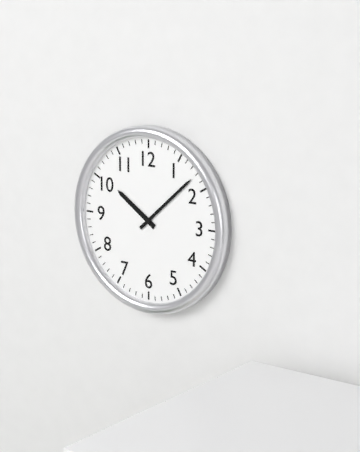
10:08
